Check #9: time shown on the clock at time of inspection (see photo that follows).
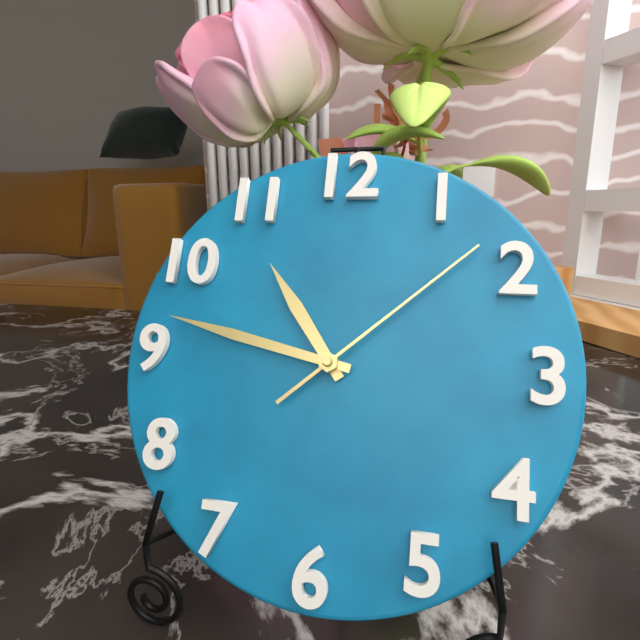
10:47:08
